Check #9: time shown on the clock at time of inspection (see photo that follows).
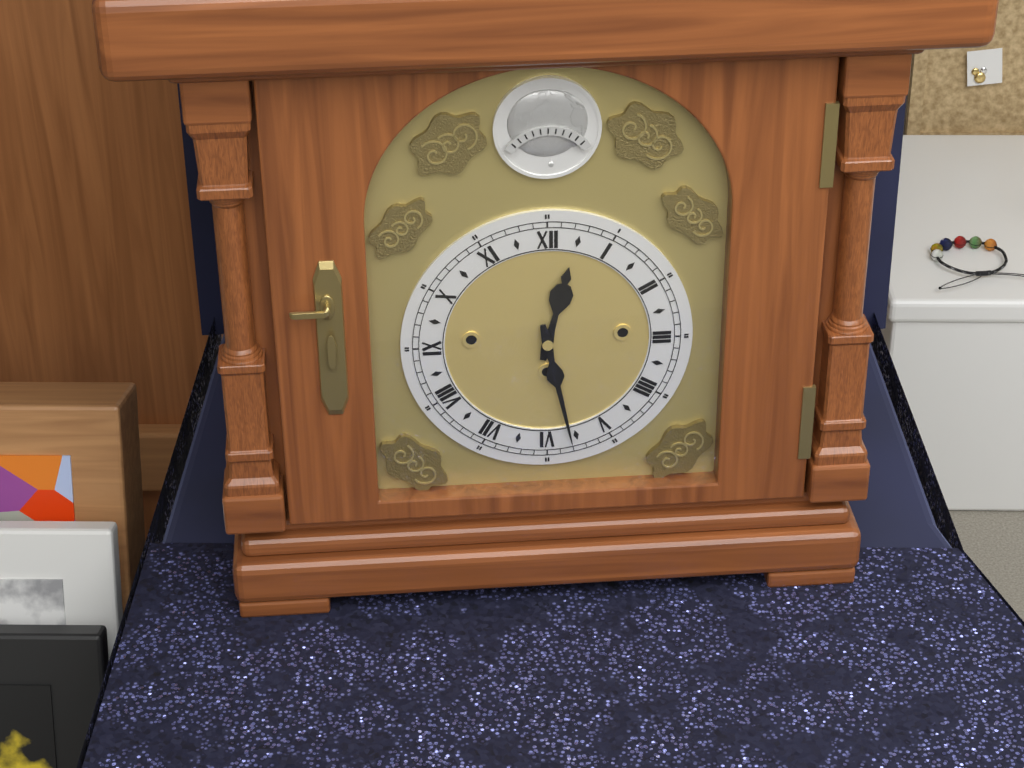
12:28
